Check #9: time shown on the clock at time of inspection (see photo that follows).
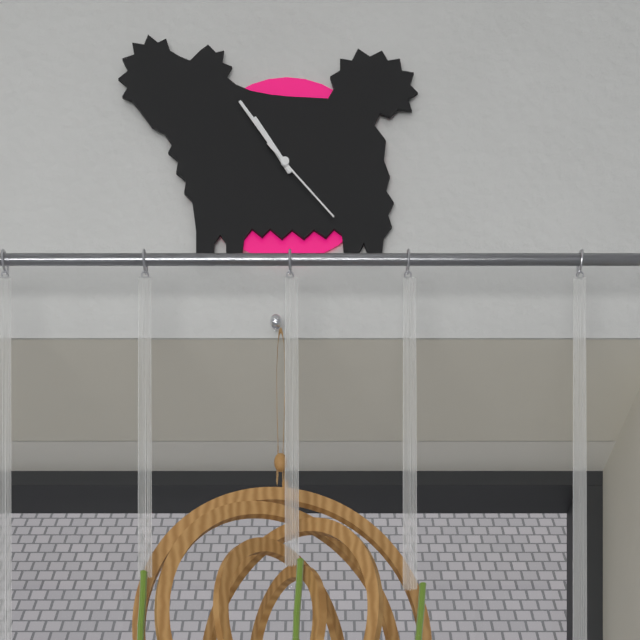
10:54:23
